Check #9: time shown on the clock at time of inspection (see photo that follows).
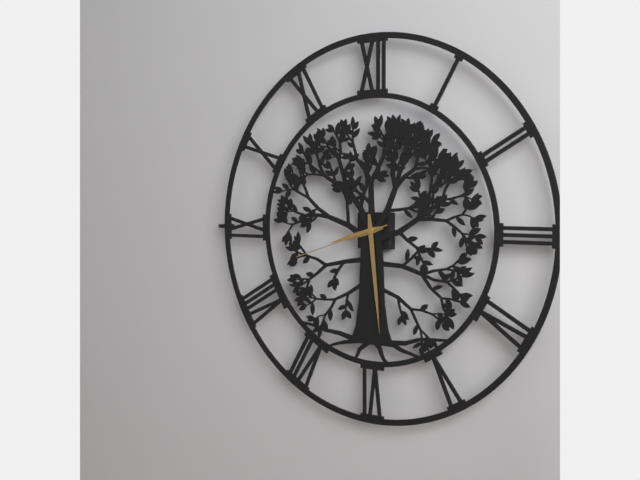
8:29:42
